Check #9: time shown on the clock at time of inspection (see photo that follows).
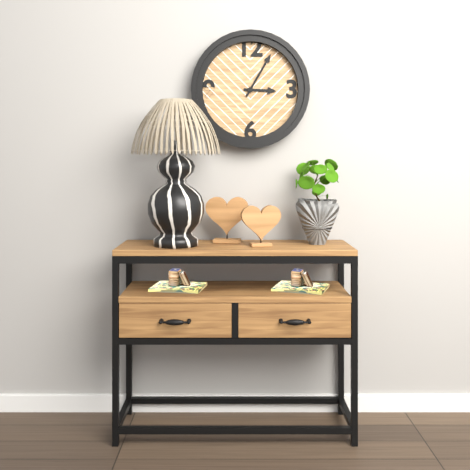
3:05
